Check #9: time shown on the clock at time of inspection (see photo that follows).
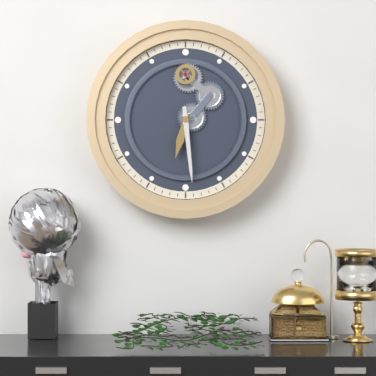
6:29
